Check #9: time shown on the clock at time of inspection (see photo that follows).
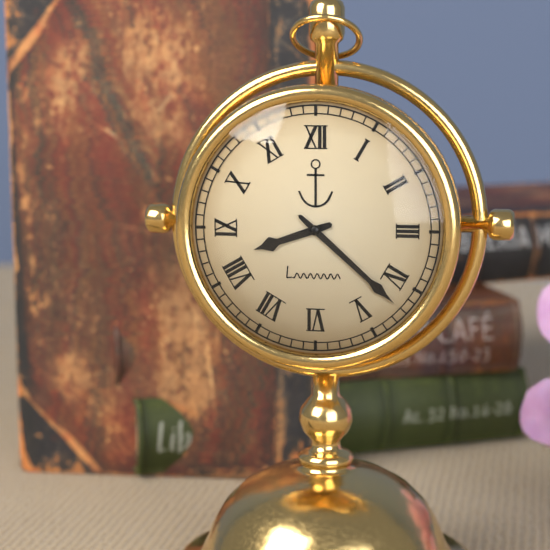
8:22
